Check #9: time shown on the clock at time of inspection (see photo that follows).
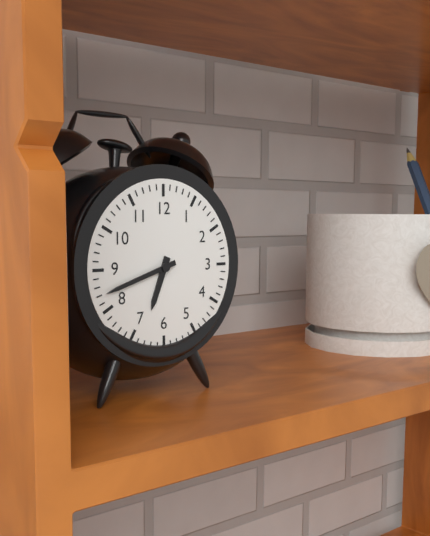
6:42
